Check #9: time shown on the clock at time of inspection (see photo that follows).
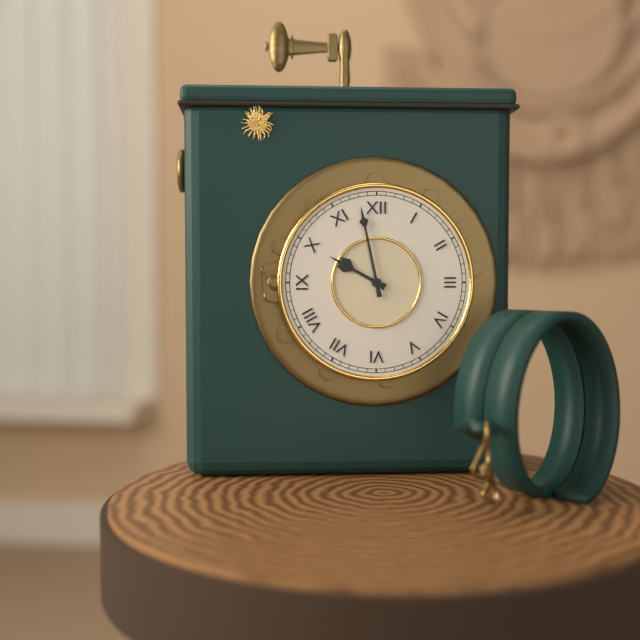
9:58
